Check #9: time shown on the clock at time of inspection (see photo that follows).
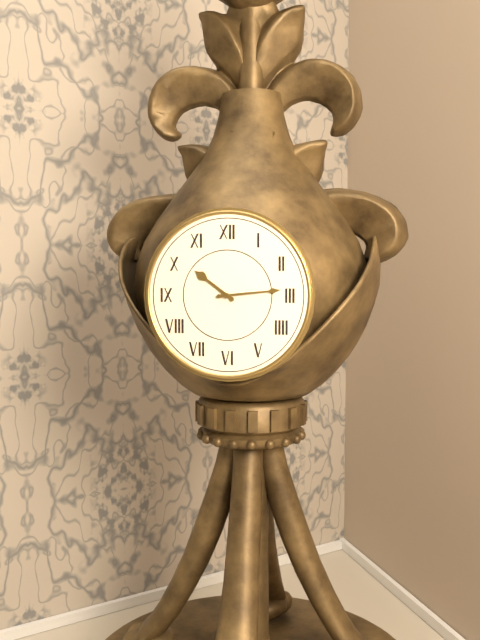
10:14
